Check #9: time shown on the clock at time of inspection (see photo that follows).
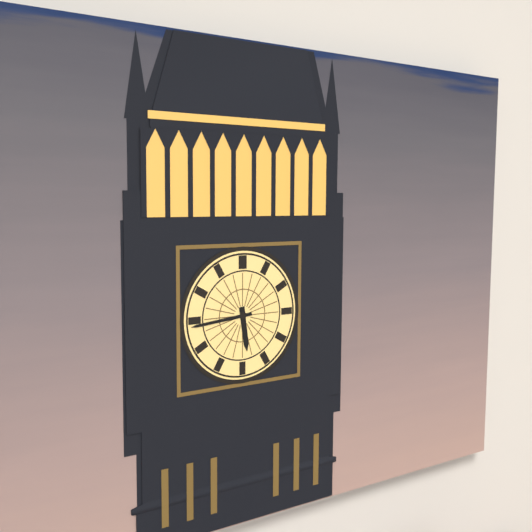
5:44
